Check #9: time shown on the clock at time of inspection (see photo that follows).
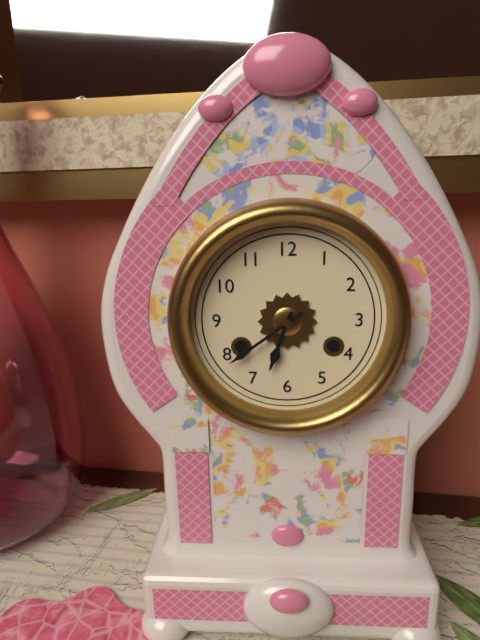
6:39
